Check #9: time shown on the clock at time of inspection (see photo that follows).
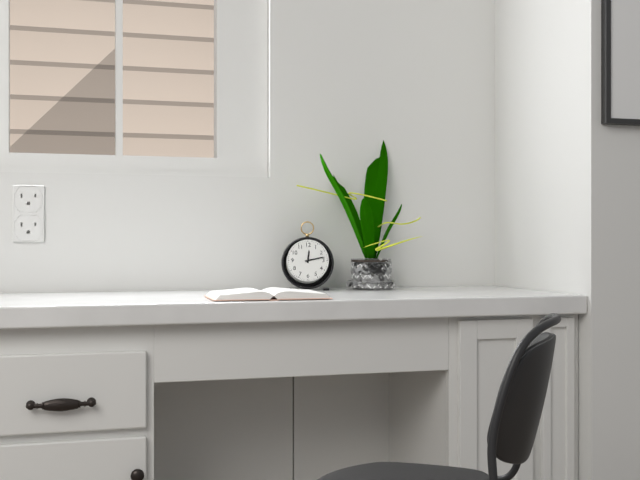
12:13
